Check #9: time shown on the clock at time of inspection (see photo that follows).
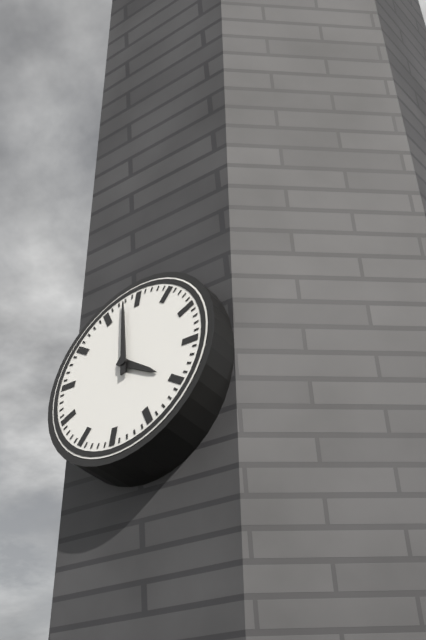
3:58
